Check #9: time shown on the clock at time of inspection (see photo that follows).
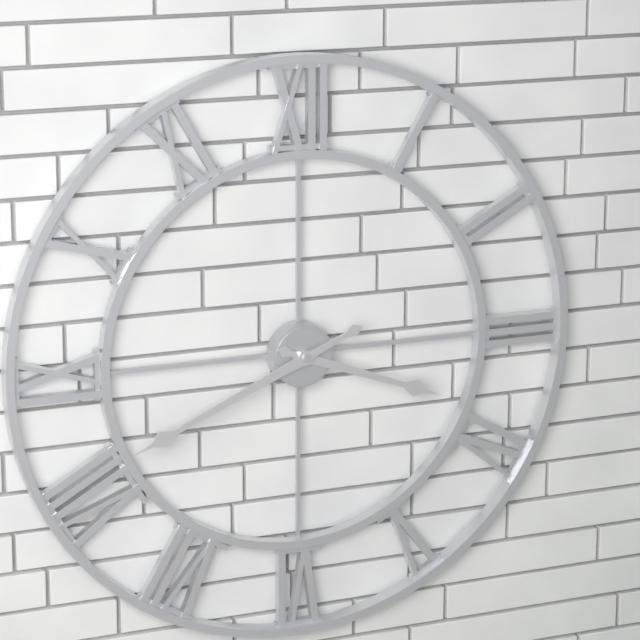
3:41
